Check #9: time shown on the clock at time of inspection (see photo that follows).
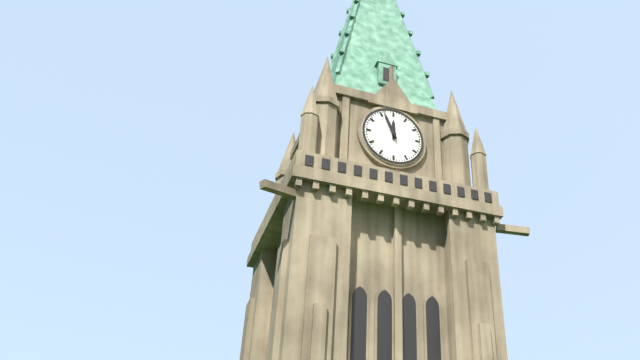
11:56
